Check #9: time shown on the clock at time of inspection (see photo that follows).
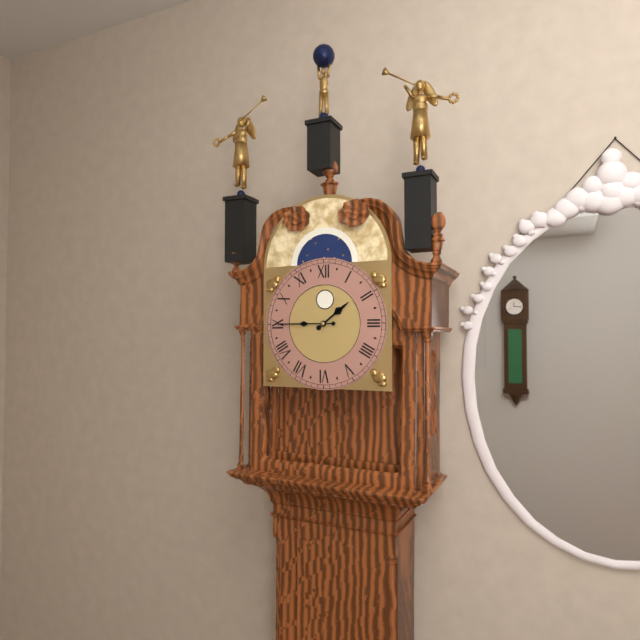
1:45
